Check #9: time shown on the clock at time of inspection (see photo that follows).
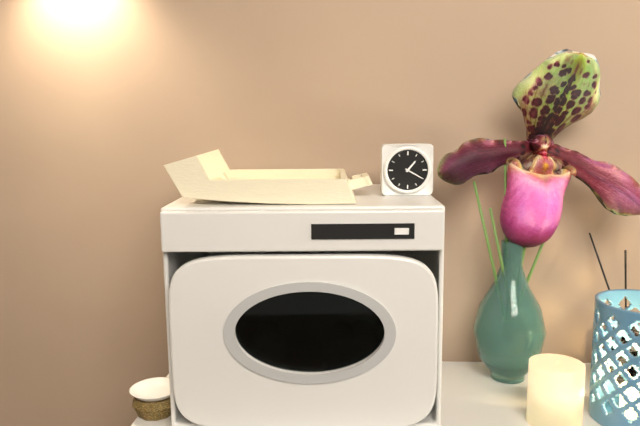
1:20
